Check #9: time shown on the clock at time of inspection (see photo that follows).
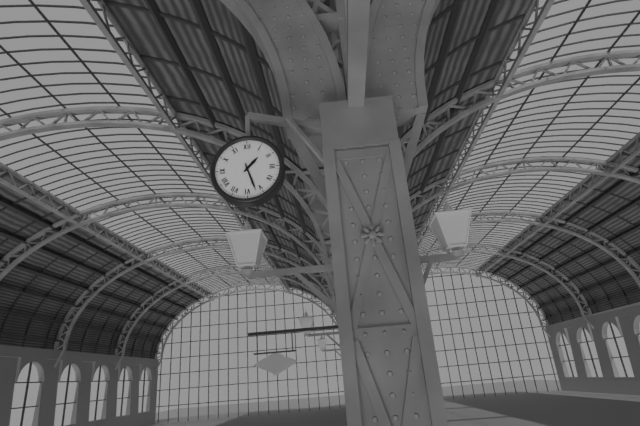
1:27
